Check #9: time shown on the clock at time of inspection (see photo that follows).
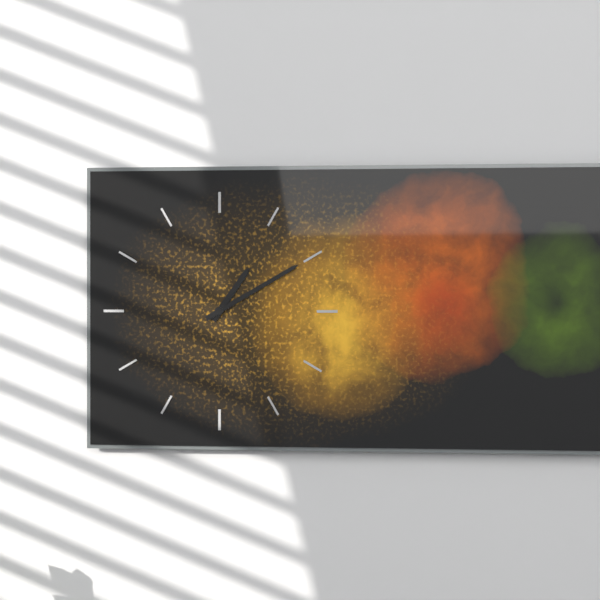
1:10
